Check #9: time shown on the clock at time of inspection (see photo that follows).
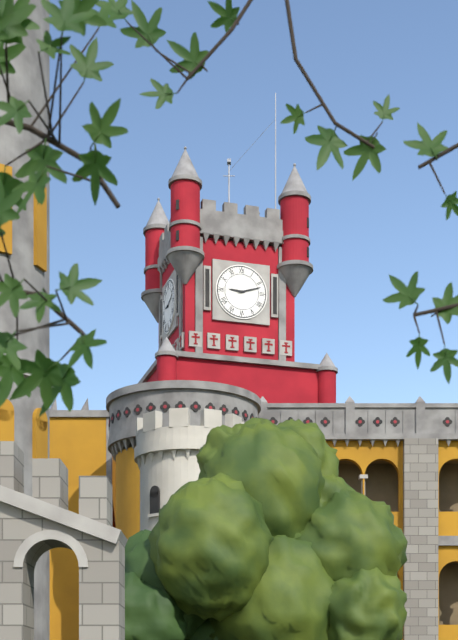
9:12
